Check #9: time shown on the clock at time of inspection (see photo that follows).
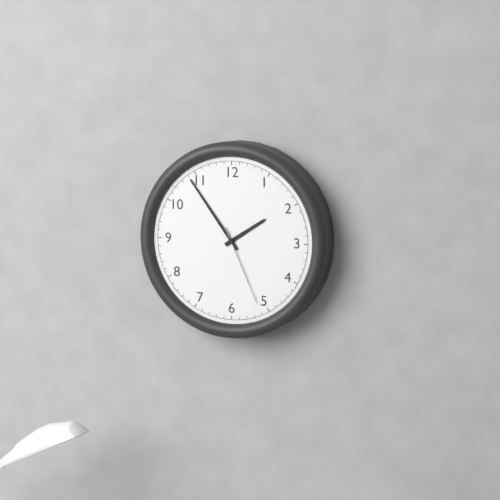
1:54:26
